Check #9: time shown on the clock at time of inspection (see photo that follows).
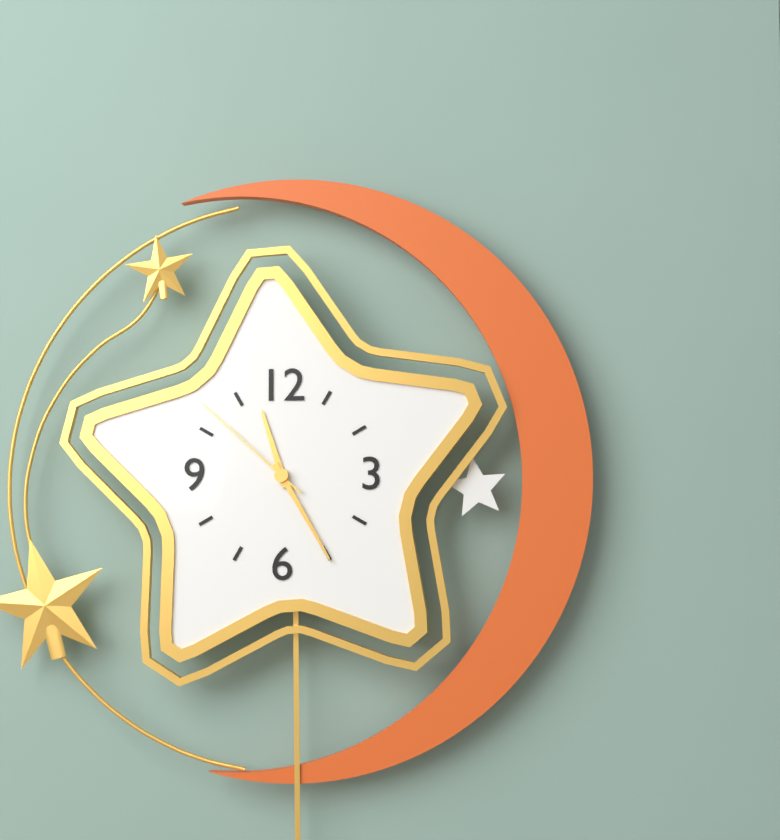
11:25:52
